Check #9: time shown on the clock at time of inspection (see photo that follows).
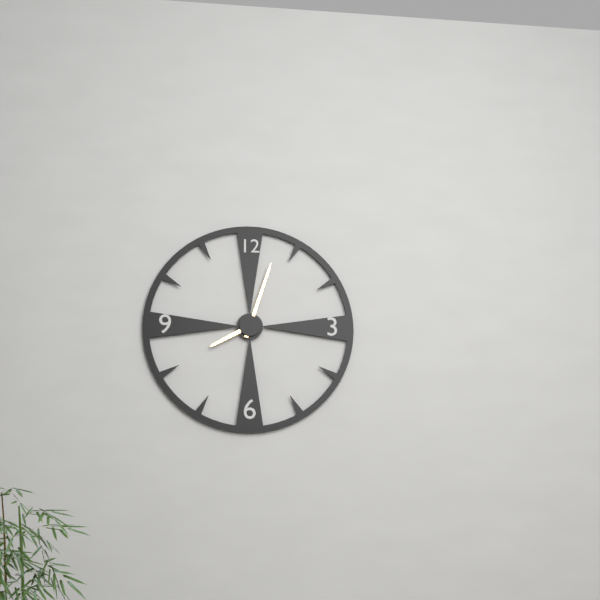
8:03
